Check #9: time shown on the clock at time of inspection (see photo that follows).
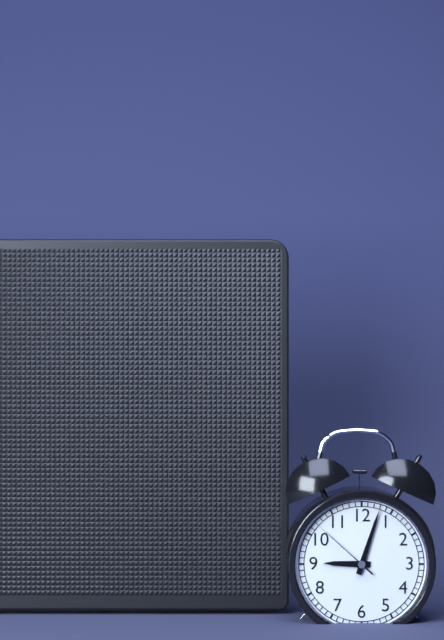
9:03:52
